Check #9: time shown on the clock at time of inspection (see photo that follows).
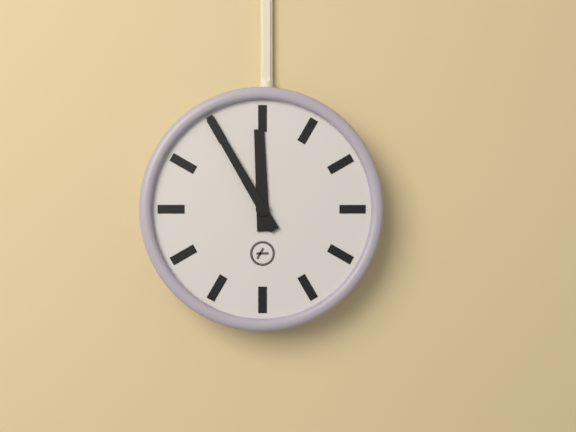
11:55
